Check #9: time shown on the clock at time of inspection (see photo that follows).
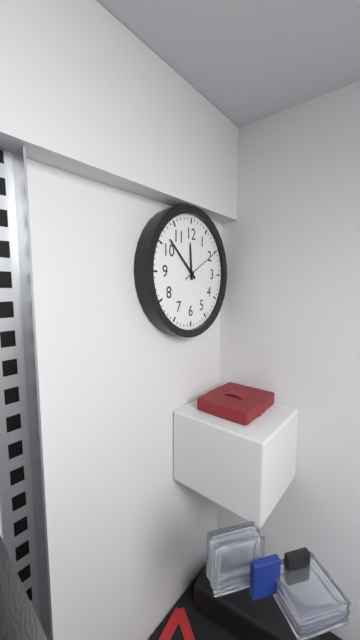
11:52
